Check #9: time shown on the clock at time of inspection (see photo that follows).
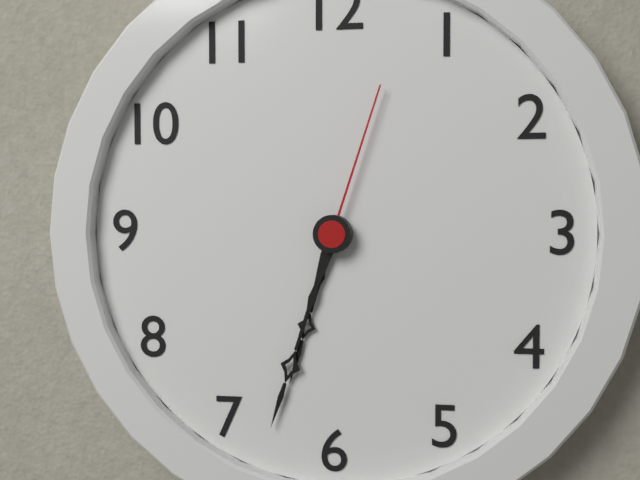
6:33:03
